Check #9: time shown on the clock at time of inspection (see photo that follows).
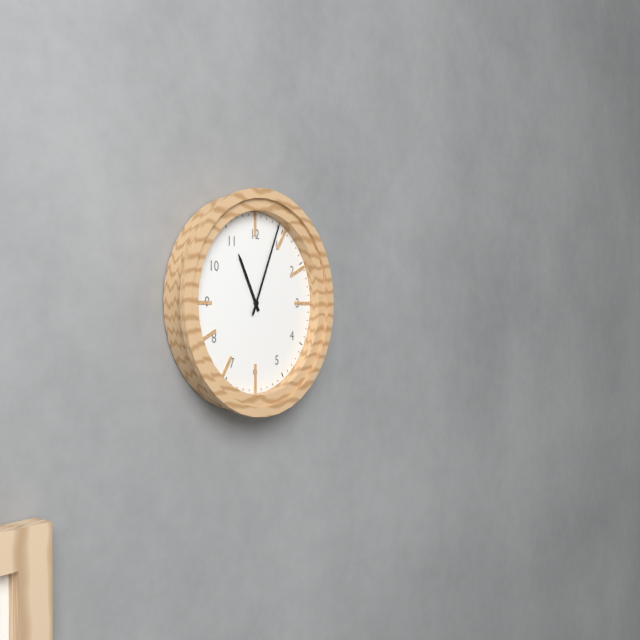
11:04
